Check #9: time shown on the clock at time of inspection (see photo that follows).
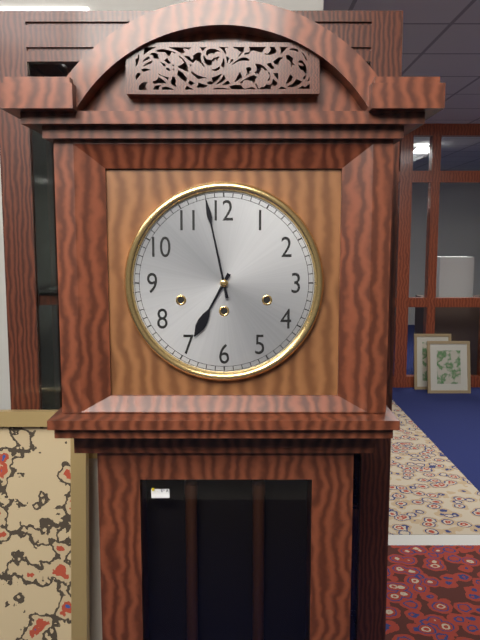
6:58
